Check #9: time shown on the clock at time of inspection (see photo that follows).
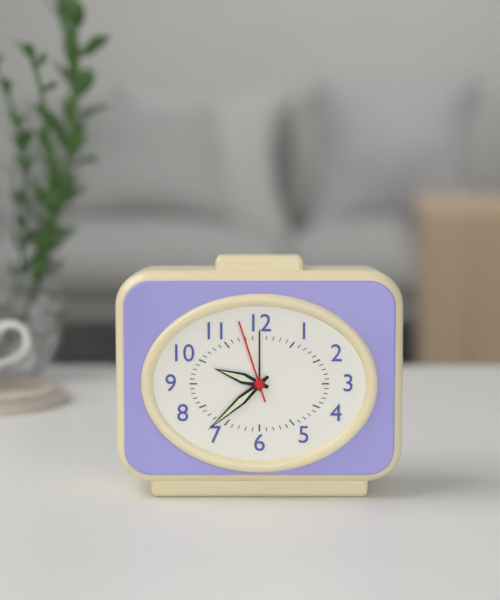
9:38:57
